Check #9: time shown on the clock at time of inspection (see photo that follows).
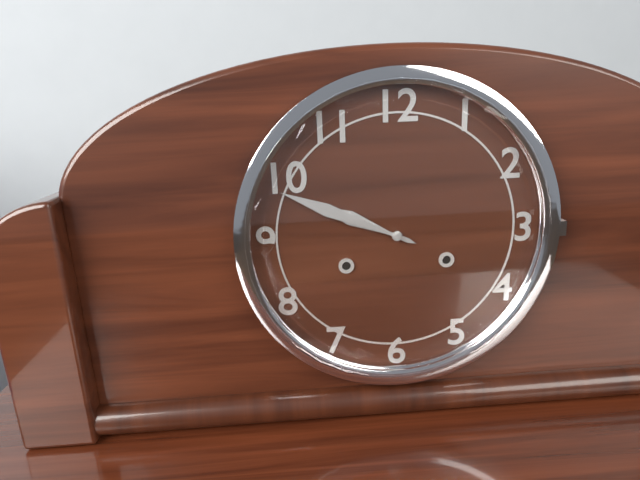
9:49
